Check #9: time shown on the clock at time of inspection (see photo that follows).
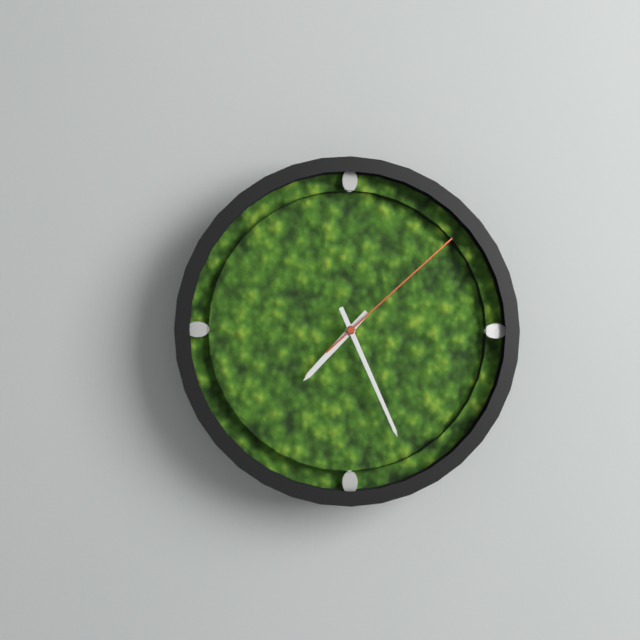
7:26:08
